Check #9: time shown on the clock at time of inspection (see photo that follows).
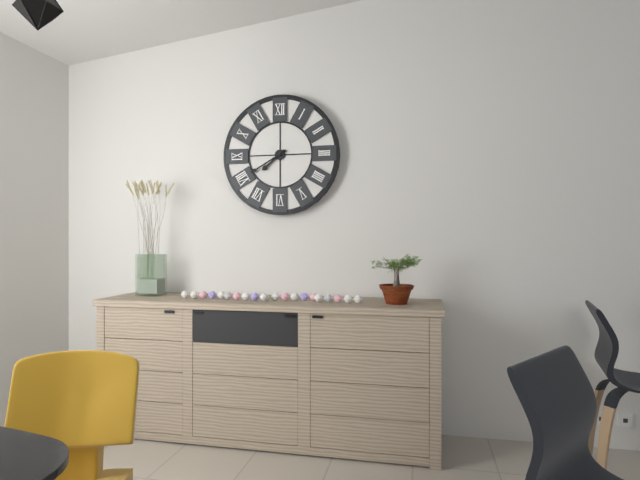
7:40
